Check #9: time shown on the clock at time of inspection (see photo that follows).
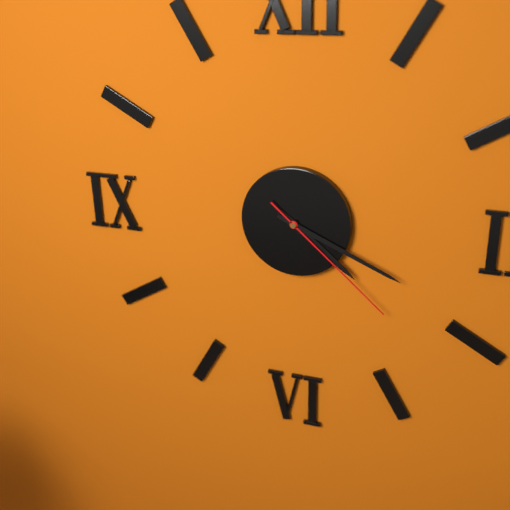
4:19:22
